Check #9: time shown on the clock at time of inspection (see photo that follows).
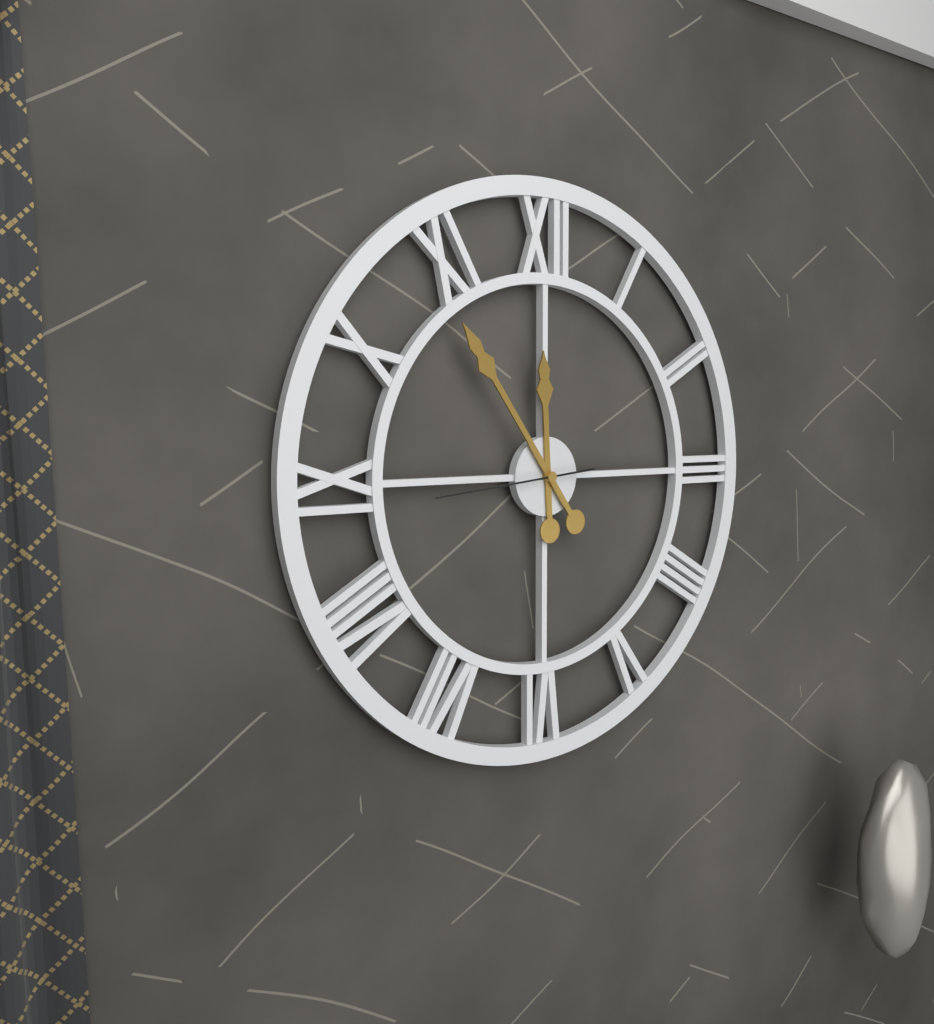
11:54:44
